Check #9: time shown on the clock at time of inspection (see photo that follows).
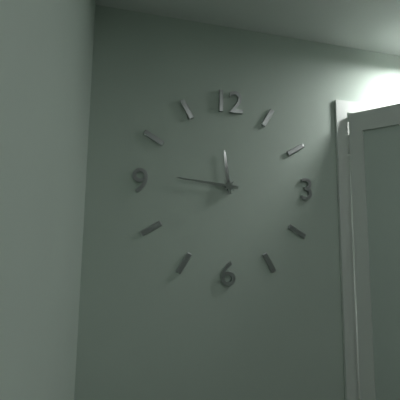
11:46
